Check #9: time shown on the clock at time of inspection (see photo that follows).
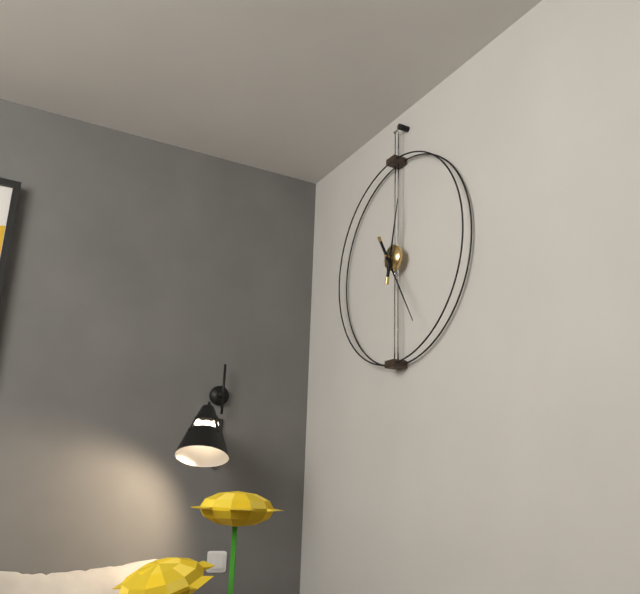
12:25
